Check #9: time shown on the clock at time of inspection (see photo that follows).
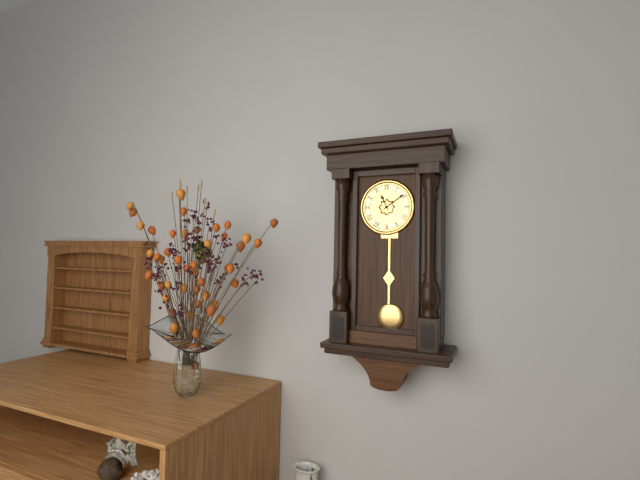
11:09
